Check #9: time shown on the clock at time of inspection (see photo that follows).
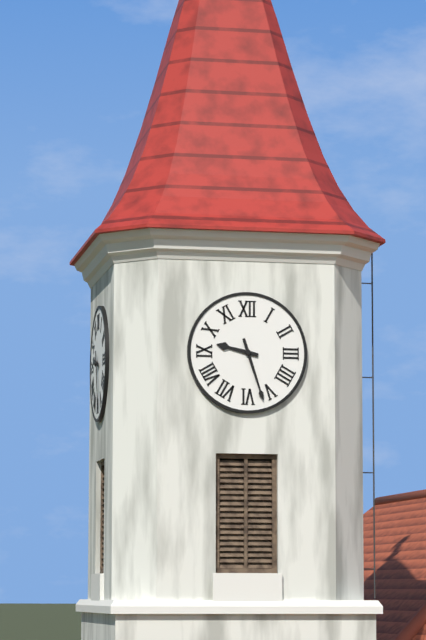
9:27
